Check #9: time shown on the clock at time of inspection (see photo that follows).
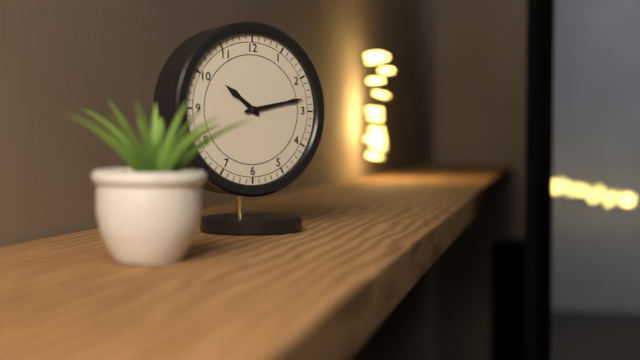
10:13
